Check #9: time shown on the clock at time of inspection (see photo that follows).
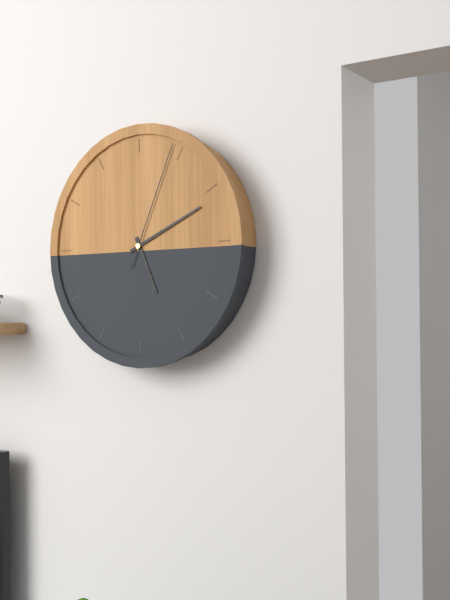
5:11:04
